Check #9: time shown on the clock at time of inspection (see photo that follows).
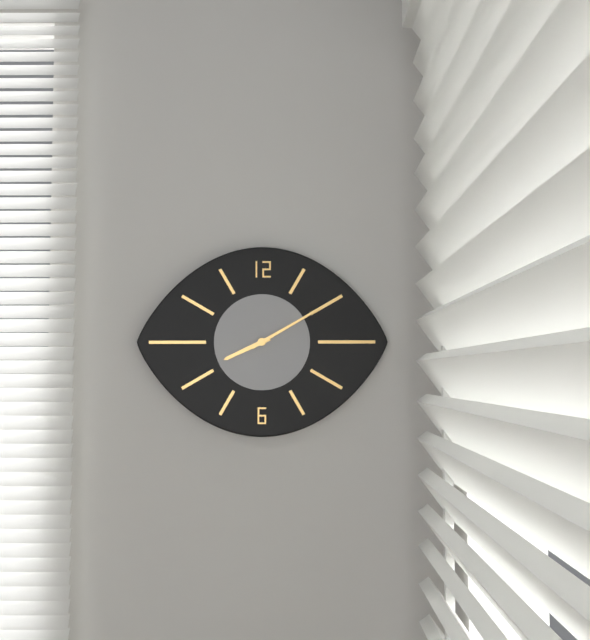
8:10
